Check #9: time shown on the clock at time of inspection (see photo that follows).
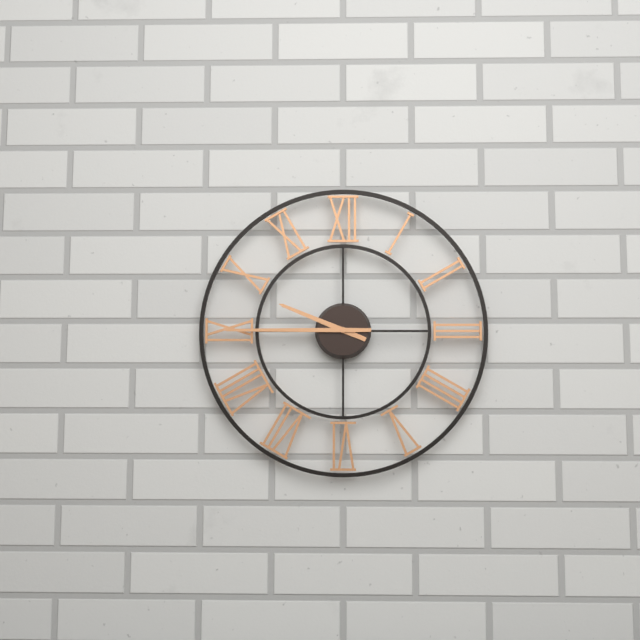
9:45
